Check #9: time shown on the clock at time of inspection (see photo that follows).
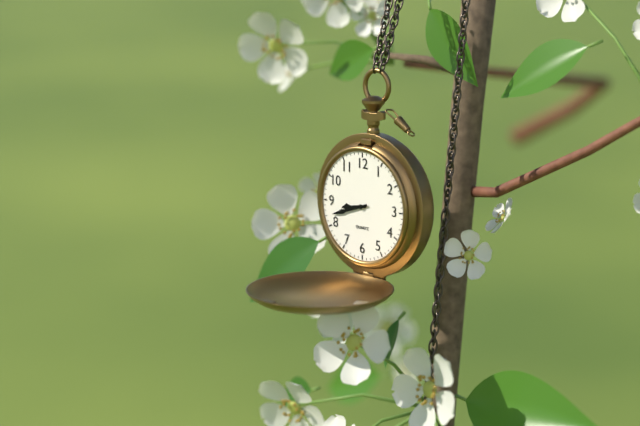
8:42
